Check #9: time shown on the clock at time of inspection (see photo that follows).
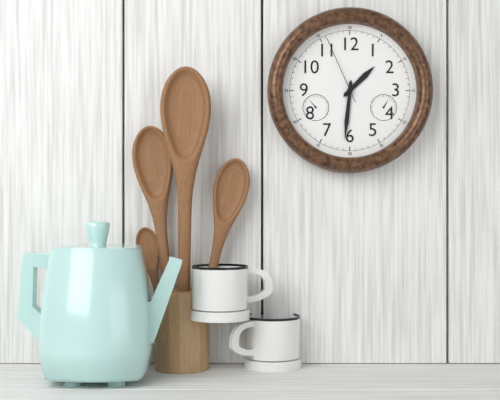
1:31:56
